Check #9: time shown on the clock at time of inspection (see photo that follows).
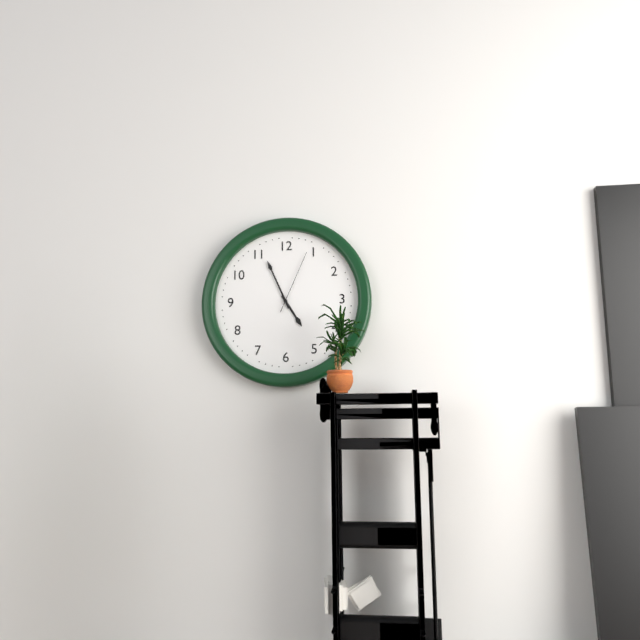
4:56:04
